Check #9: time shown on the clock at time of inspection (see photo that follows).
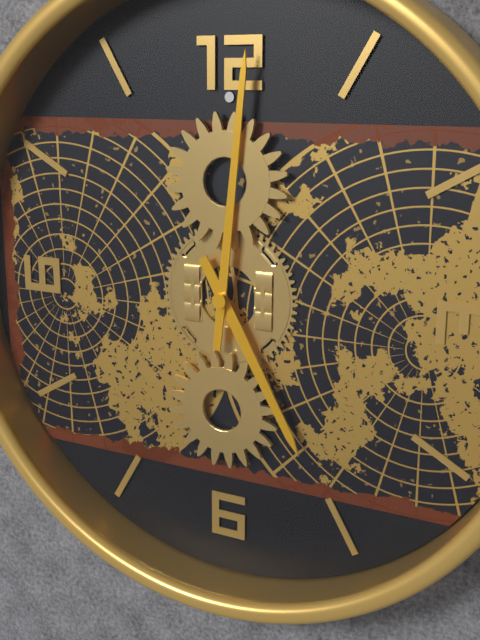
5:01
